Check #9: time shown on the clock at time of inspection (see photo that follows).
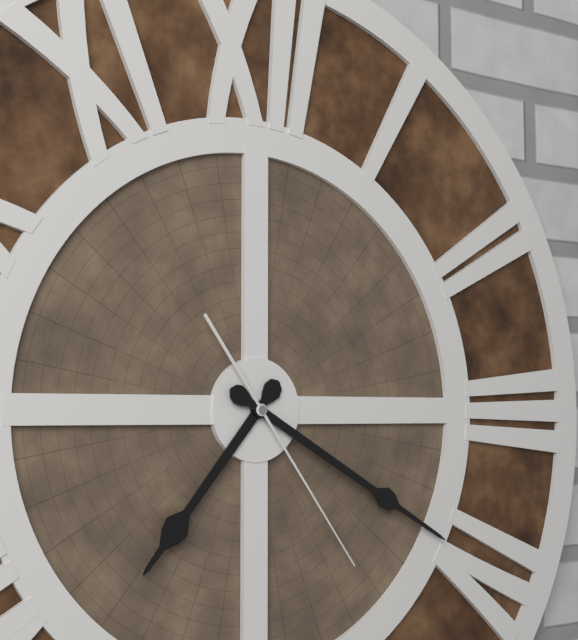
7:20:24
